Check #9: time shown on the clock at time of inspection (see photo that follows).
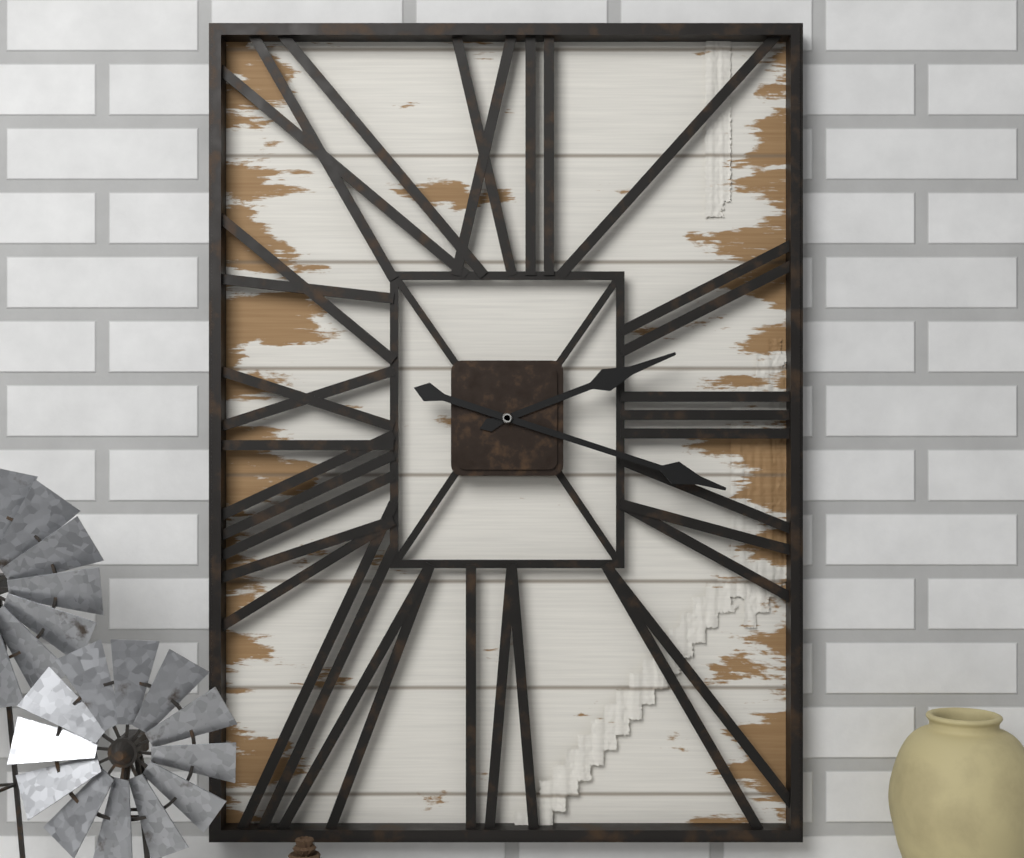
2:18
